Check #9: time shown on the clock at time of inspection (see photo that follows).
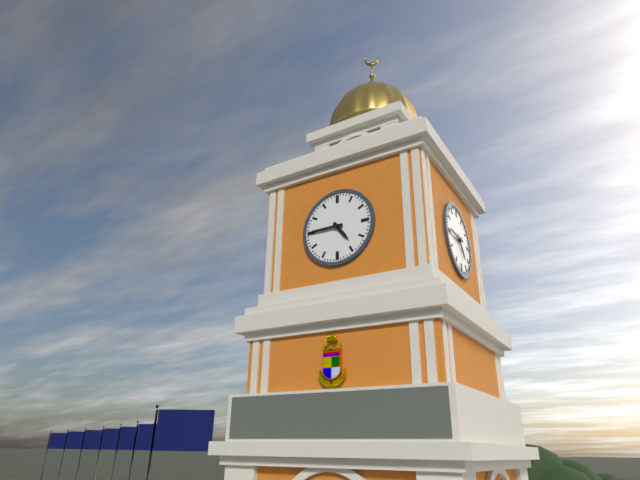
4:45
